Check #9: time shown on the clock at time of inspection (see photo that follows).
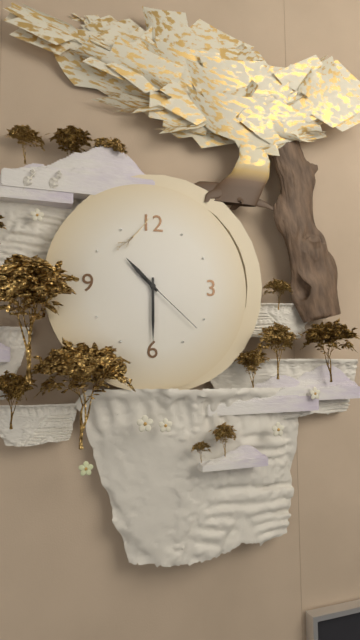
10:30:22
